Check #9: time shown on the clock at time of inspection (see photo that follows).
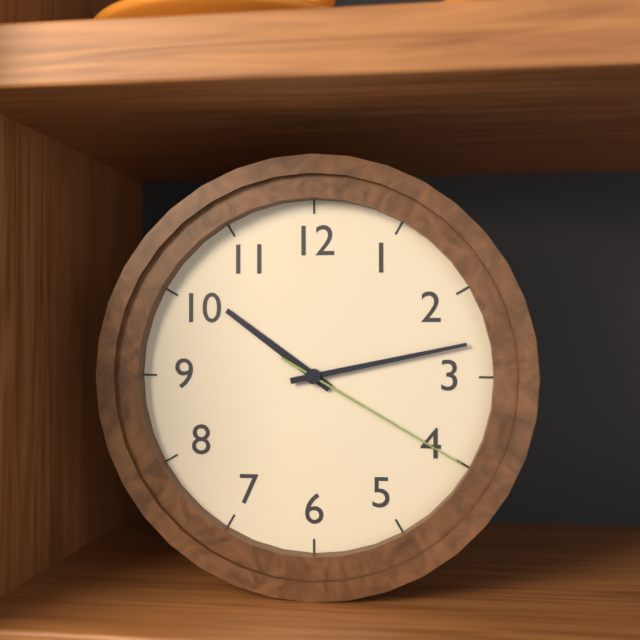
10:13:20
